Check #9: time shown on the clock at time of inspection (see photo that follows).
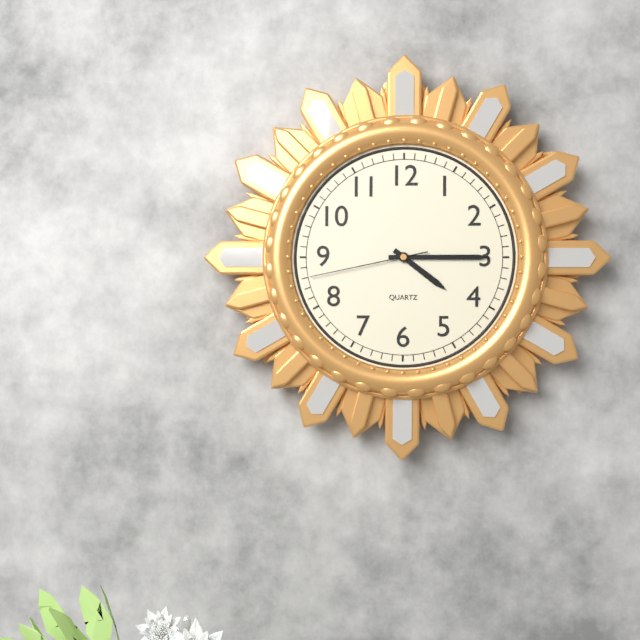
4:15:43
